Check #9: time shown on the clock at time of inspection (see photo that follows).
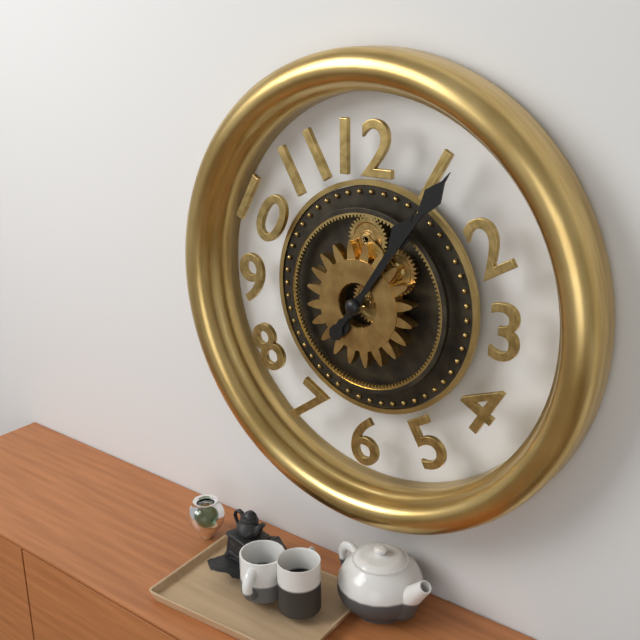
1:06
